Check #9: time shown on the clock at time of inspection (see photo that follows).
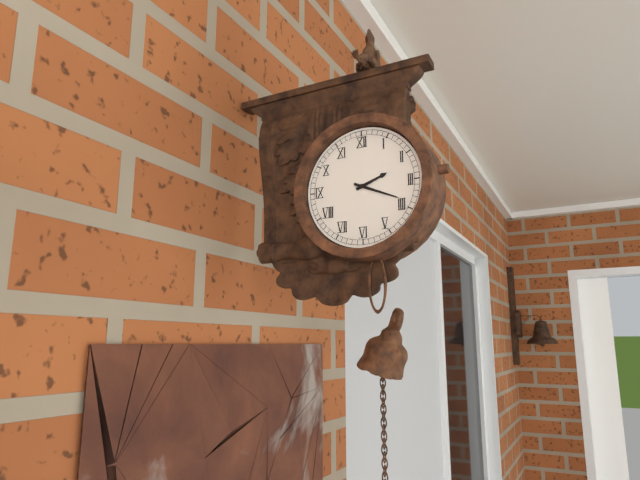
2:19
